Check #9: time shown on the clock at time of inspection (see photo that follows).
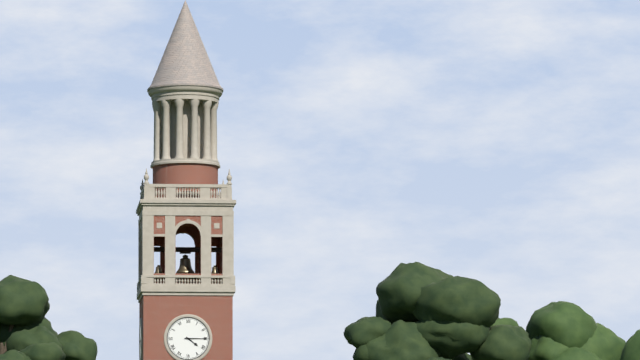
4:15
